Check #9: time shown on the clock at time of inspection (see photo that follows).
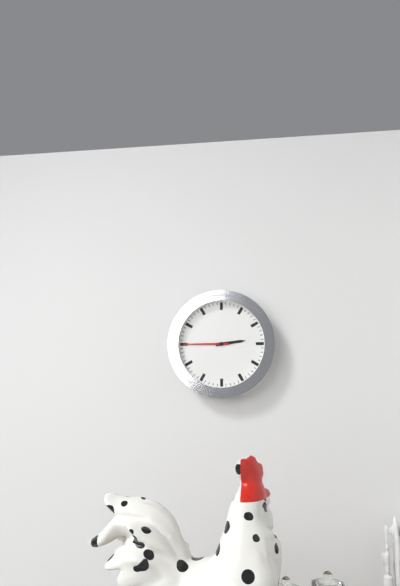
2:45
